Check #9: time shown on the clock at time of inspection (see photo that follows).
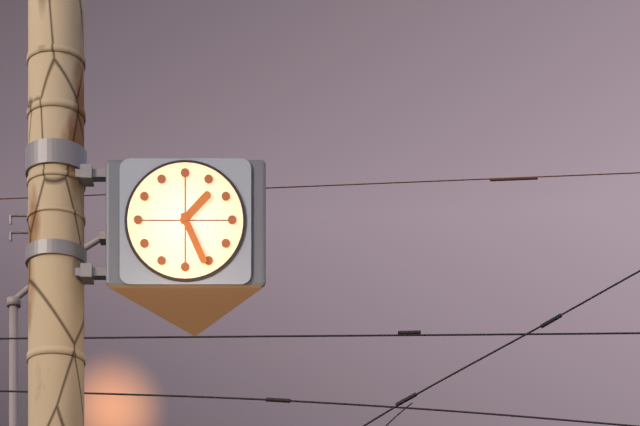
1:26
